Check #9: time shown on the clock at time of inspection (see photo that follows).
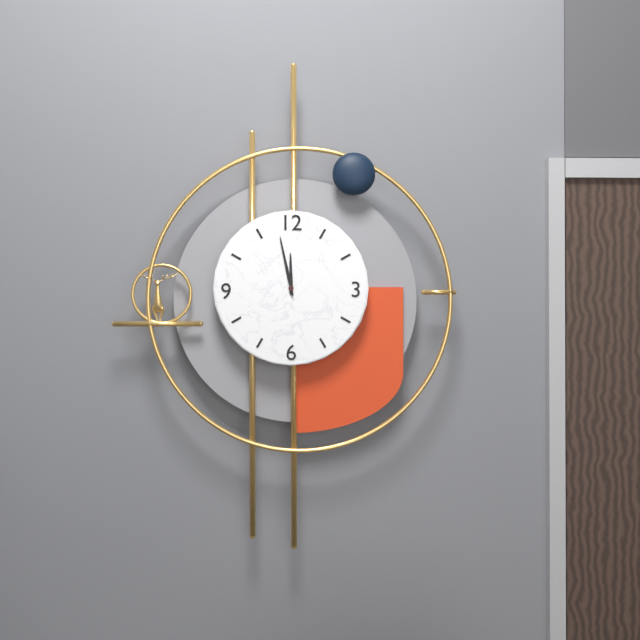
11:58
